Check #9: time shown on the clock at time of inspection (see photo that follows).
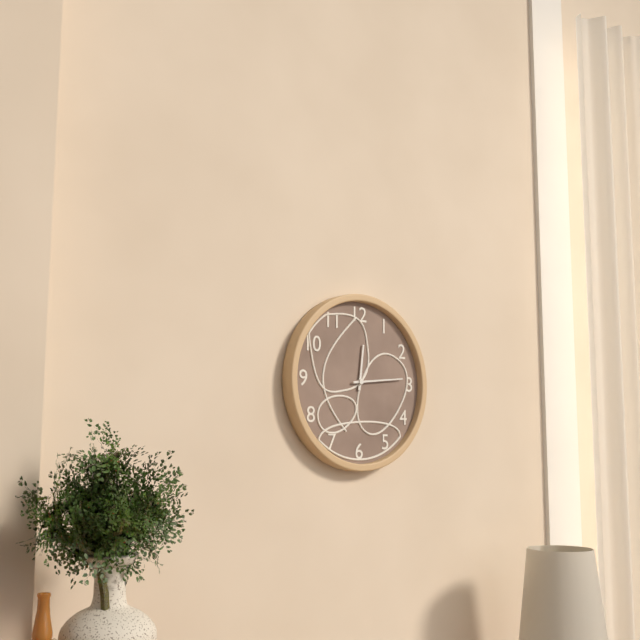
12:14
